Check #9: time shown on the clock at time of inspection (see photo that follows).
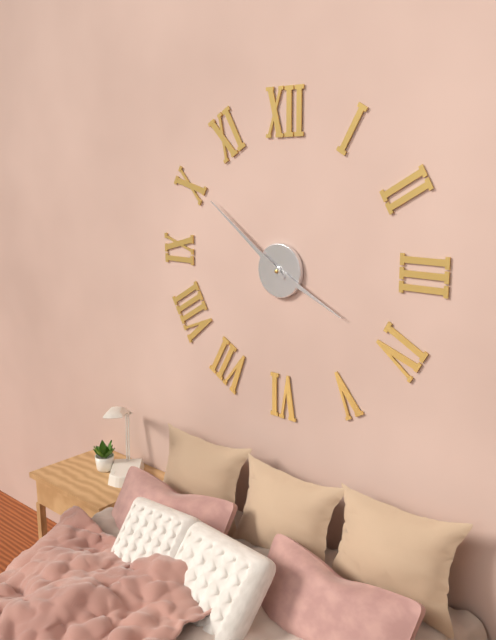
3:51
